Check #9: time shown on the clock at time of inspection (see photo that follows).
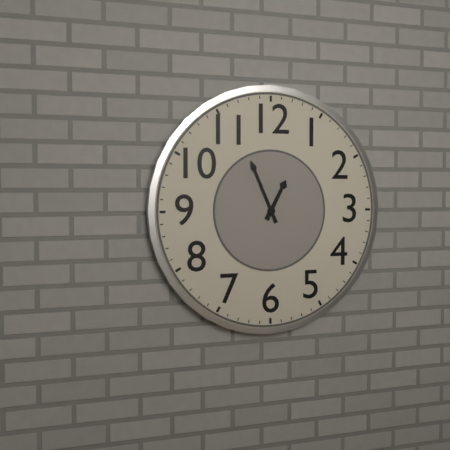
12:56
